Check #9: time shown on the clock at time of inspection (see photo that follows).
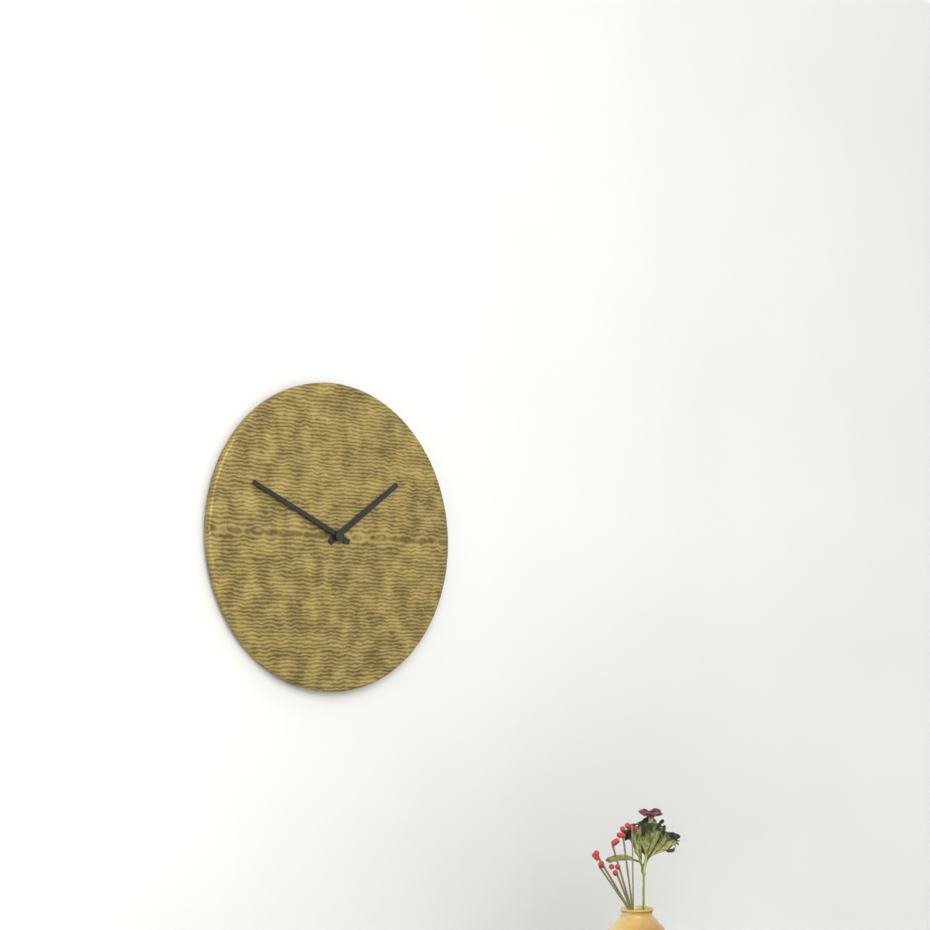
1:49
